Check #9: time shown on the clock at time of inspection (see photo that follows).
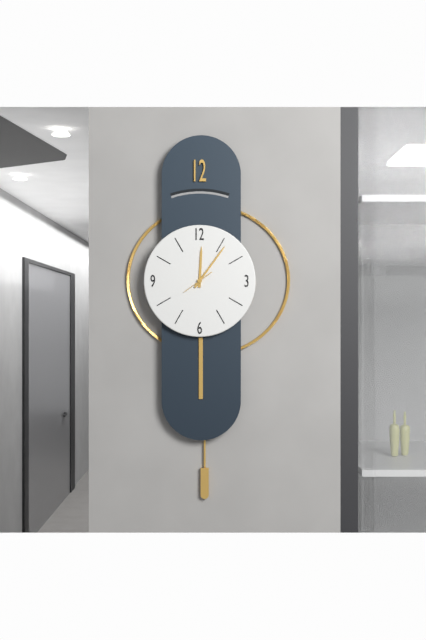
12:06
